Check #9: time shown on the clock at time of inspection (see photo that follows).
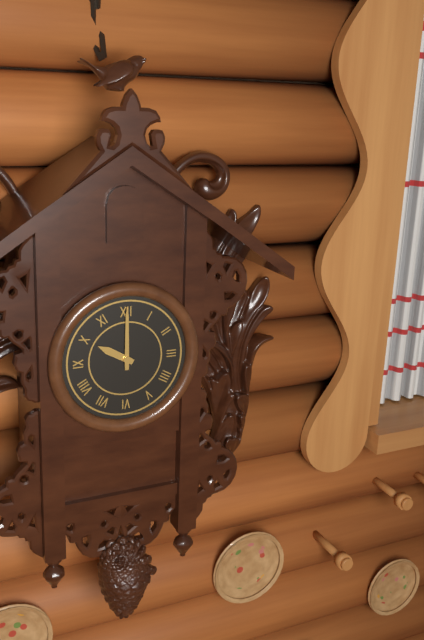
10:00
